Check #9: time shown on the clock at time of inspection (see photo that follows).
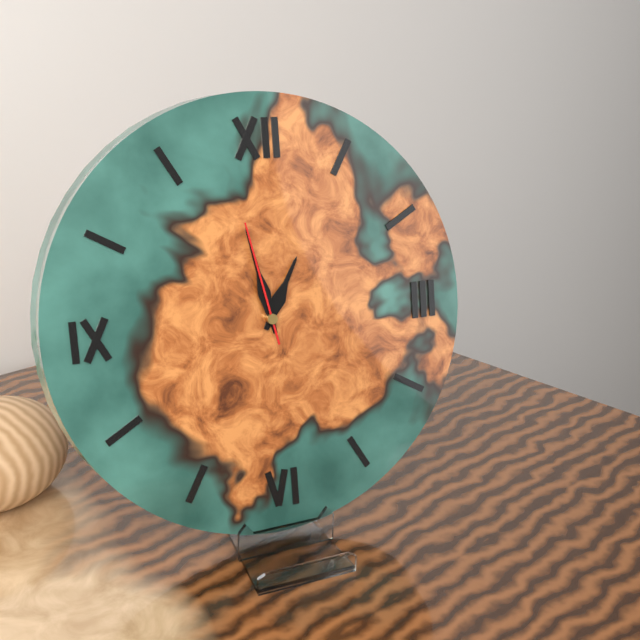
12:58:58
